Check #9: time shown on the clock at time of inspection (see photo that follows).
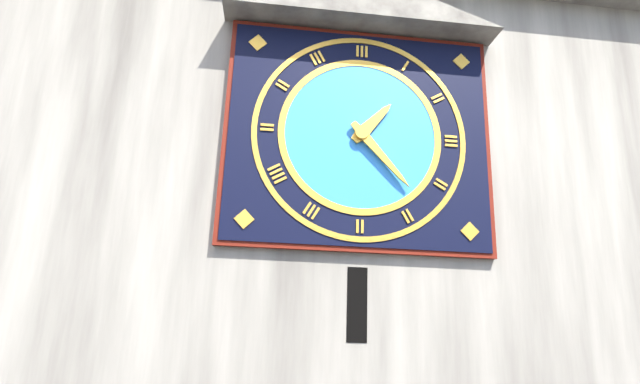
1:23
